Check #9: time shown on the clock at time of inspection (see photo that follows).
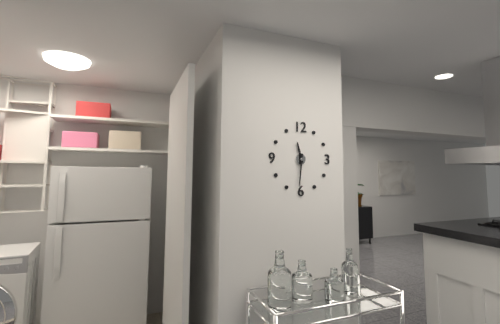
11:31
